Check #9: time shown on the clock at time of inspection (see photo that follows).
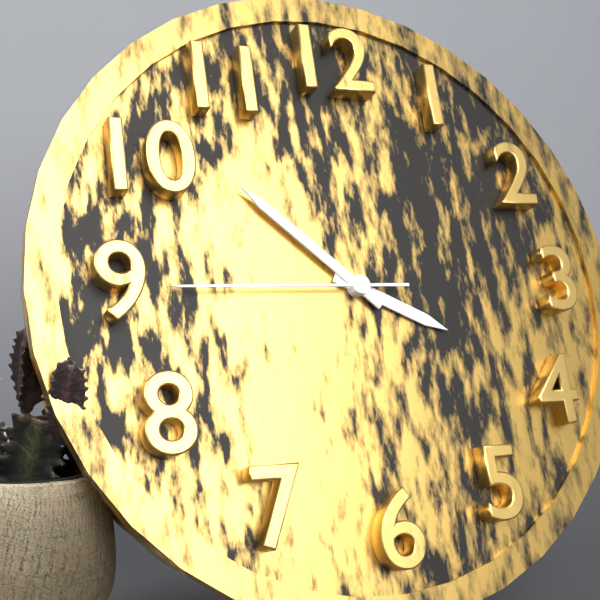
3:52:45
